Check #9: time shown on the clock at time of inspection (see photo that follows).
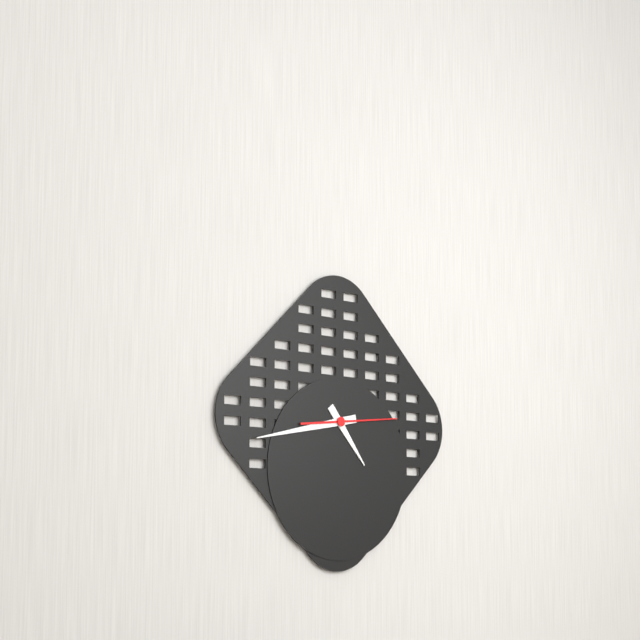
4:43:14
